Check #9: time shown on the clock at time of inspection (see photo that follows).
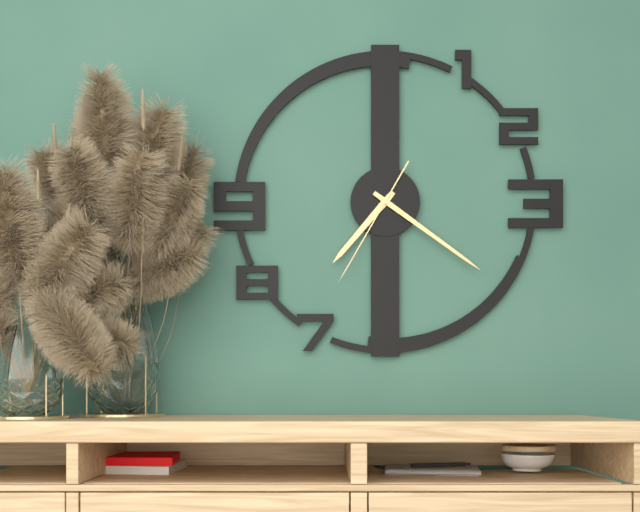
7:21:35
